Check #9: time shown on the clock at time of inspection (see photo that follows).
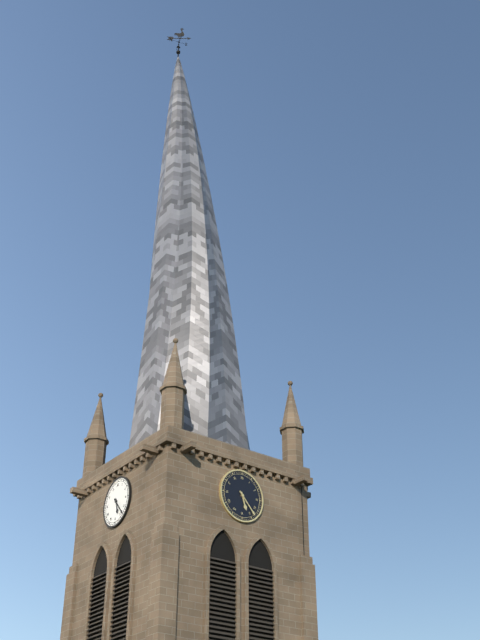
5:23
